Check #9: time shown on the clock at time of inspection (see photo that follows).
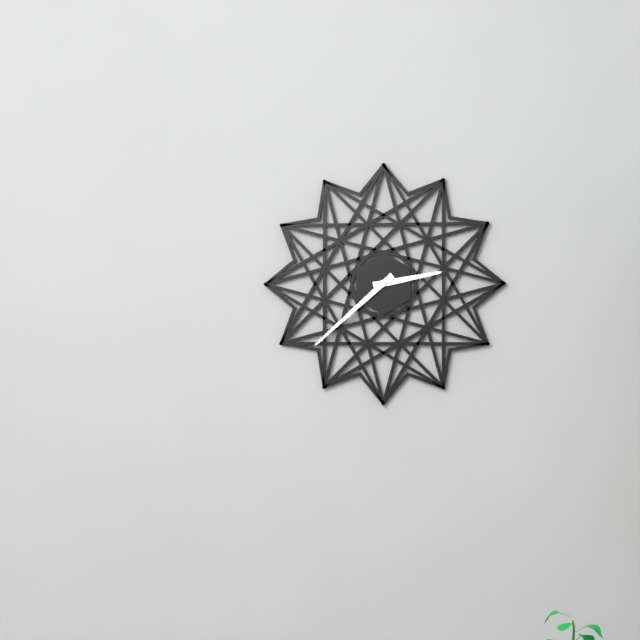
2:38
